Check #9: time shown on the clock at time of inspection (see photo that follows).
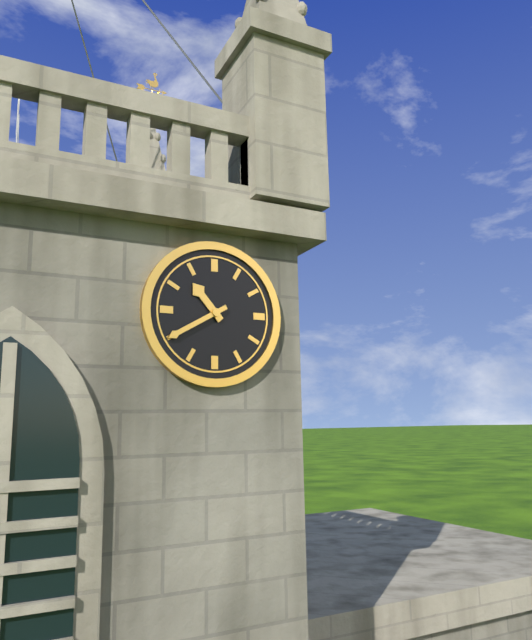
10:40
